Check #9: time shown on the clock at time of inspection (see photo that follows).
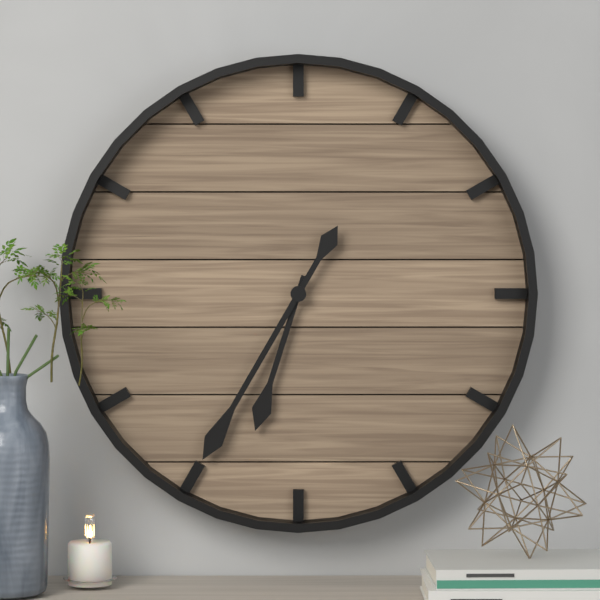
6:35
